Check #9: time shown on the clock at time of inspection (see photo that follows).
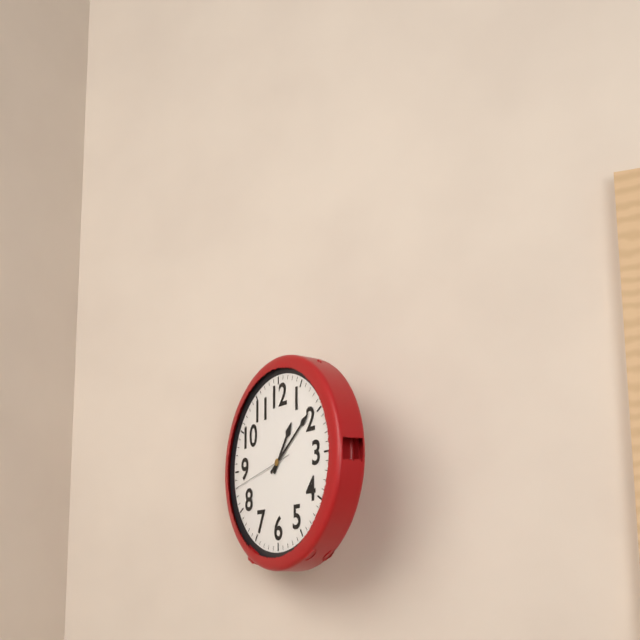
1:09:43
